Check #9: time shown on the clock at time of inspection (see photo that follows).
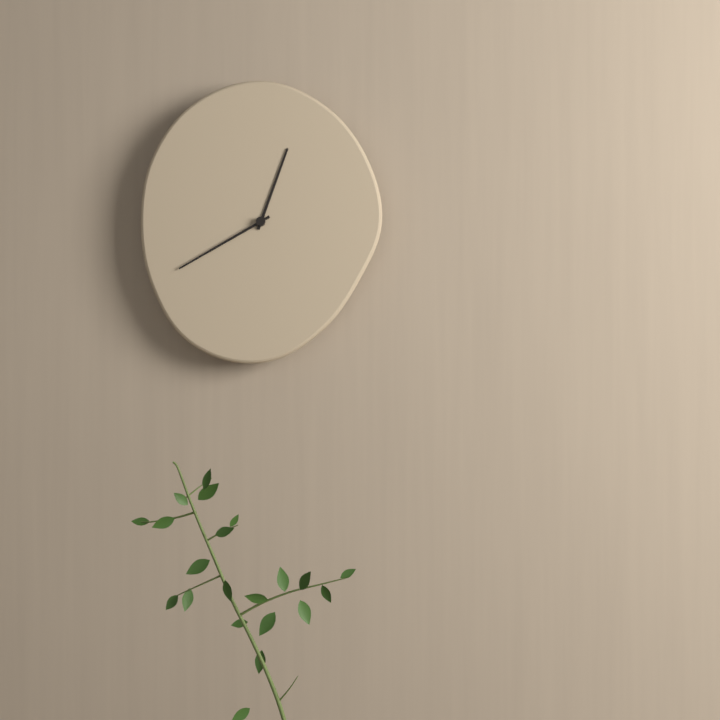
12:40
